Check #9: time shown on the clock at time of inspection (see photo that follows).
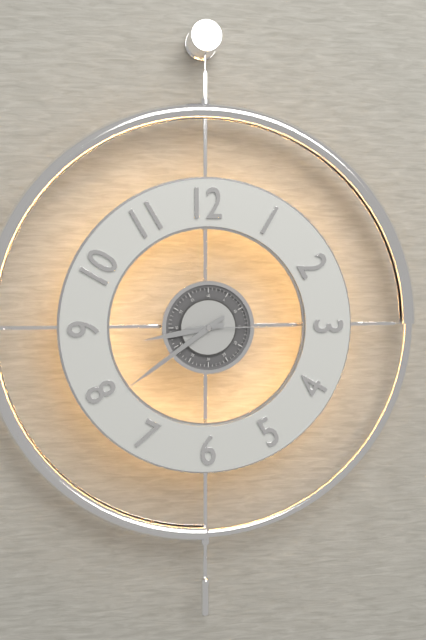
8:39:15
